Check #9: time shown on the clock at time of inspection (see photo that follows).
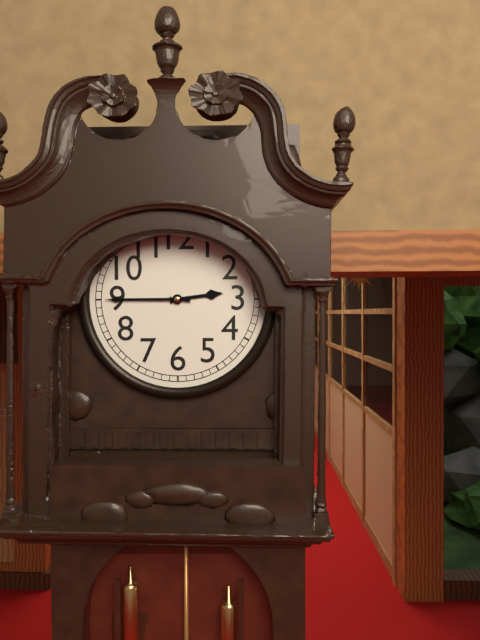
2:45
